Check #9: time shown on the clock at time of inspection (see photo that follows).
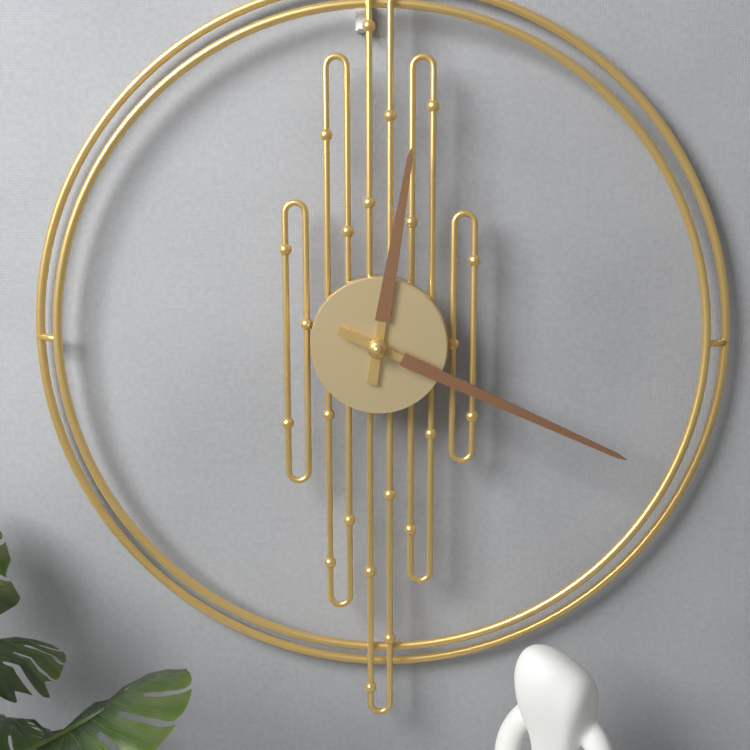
12:19
